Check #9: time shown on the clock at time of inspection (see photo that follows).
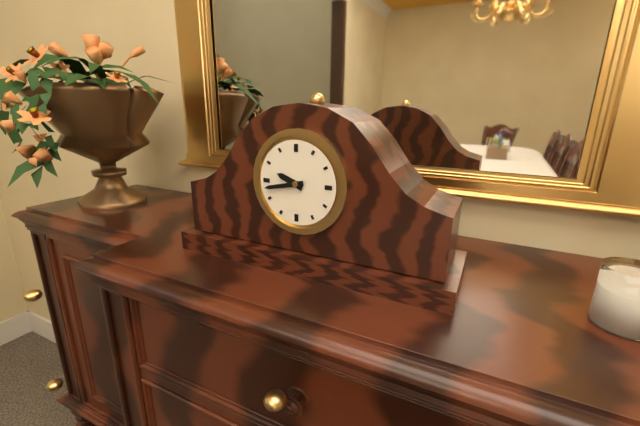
9:43
